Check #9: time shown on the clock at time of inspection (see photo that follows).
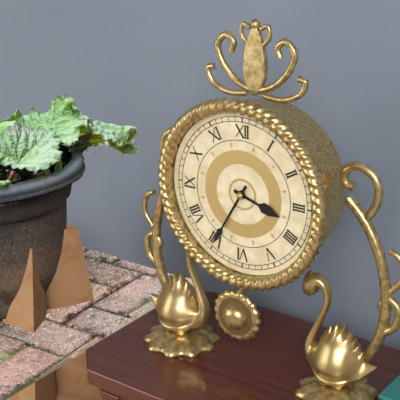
3:35
